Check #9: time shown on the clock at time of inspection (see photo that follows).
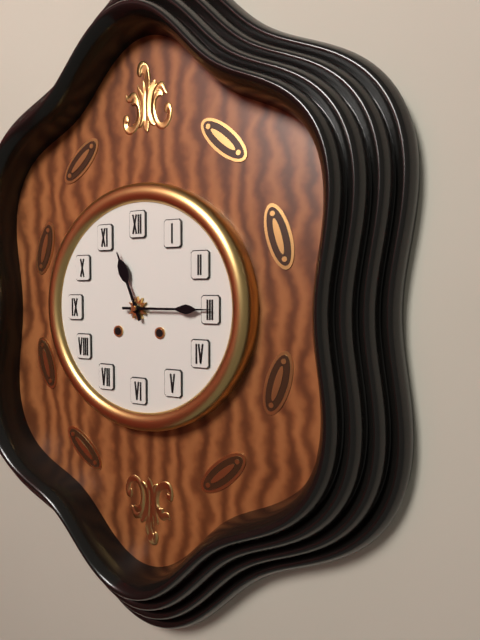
11:15
